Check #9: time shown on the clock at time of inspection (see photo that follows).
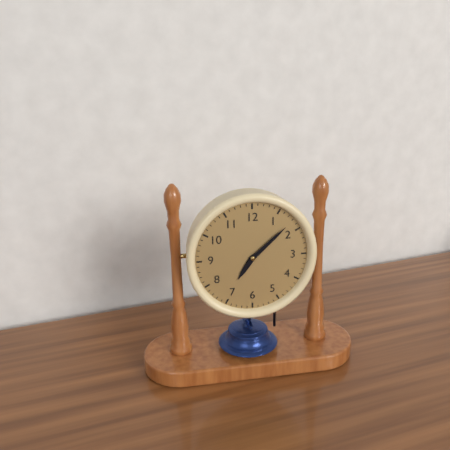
7:08
